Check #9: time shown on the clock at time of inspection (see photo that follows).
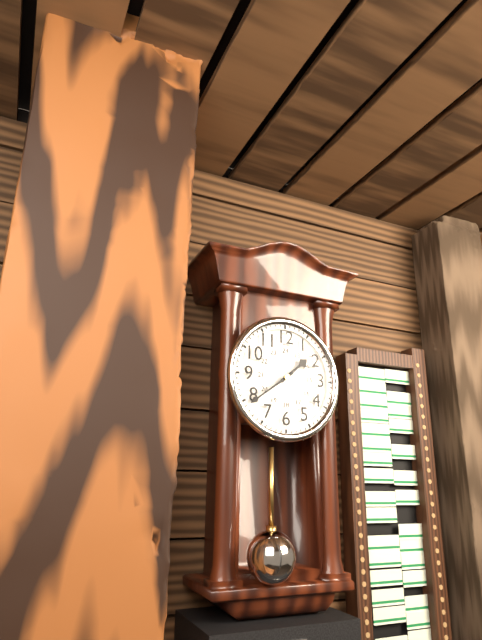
1:39
